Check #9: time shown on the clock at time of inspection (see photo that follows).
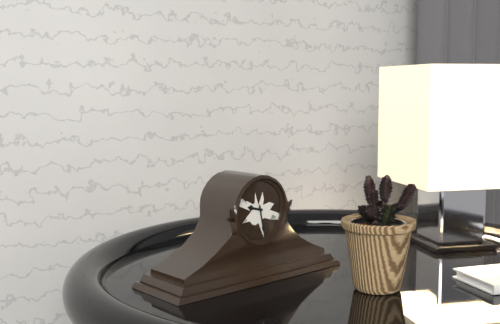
9:28
